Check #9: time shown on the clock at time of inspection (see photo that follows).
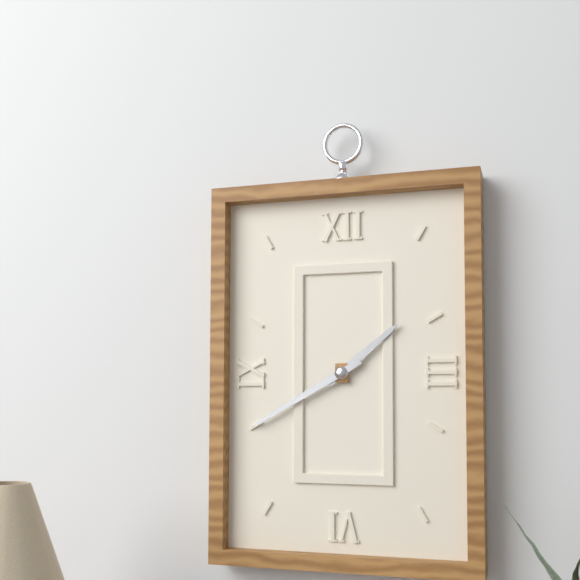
1:40
